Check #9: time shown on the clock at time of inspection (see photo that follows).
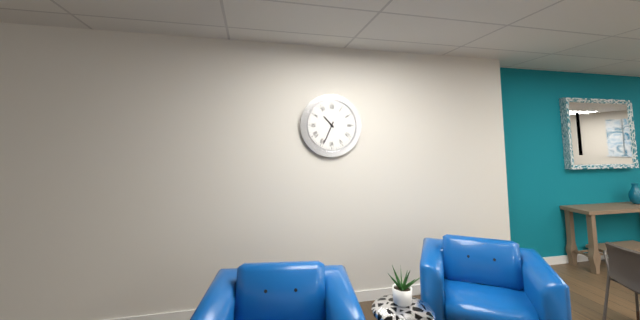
10:34
